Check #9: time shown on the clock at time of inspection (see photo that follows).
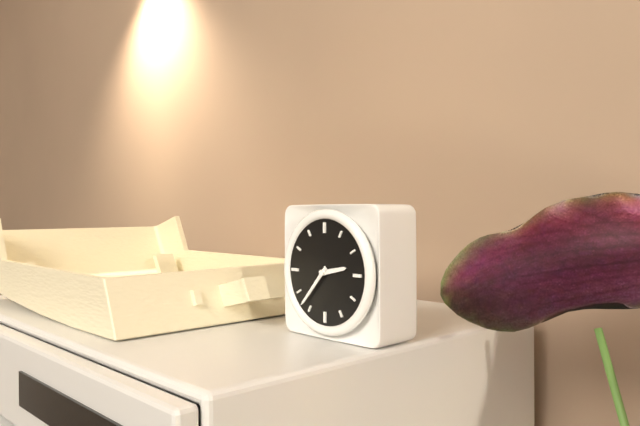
2:37
